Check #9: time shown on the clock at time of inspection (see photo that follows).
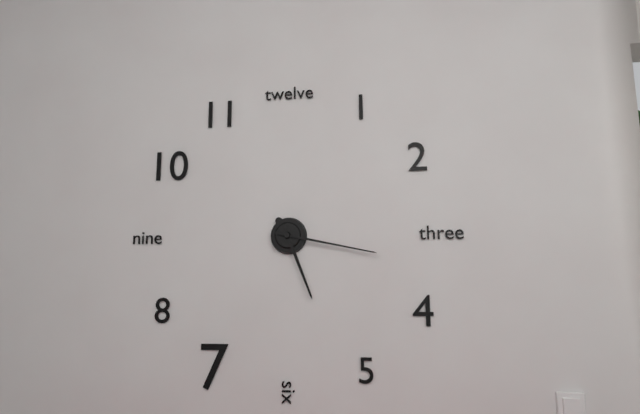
5:17
